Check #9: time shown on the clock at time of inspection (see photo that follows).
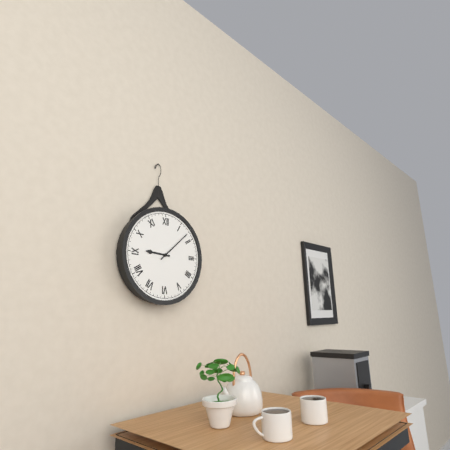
9:08
